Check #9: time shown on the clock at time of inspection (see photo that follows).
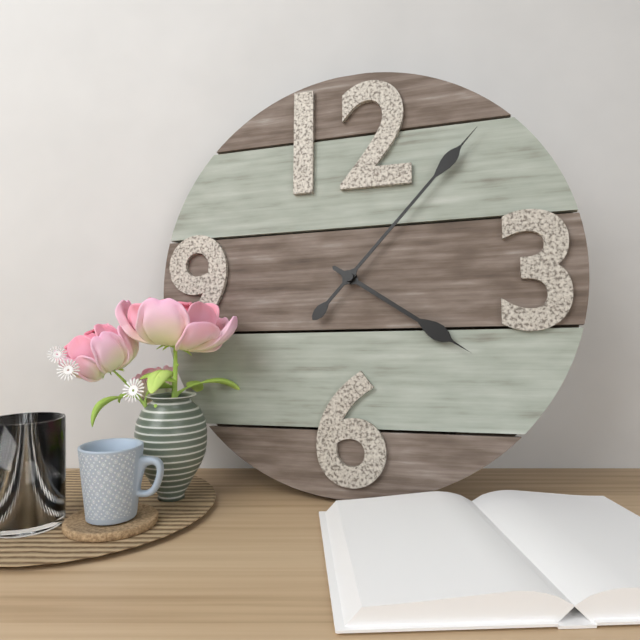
4:07
